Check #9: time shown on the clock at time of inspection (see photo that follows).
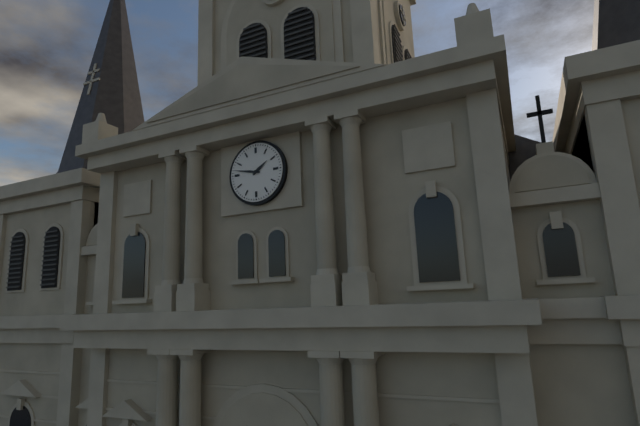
1:47
